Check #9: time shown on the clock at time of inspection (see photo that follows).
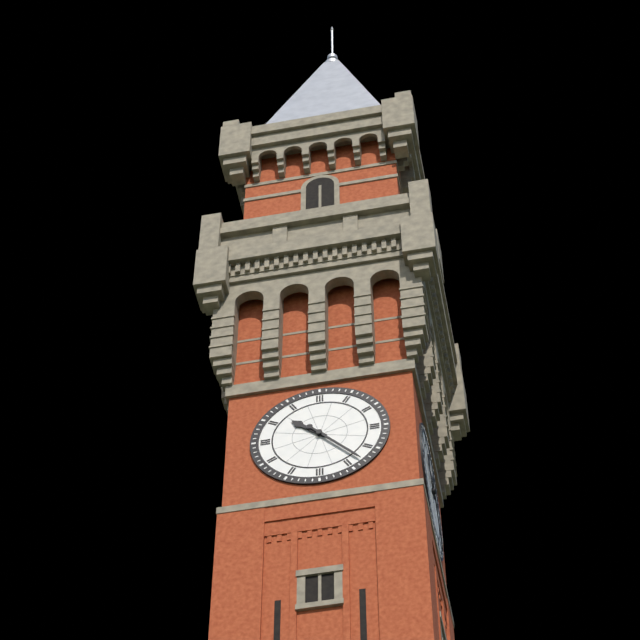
10:23
